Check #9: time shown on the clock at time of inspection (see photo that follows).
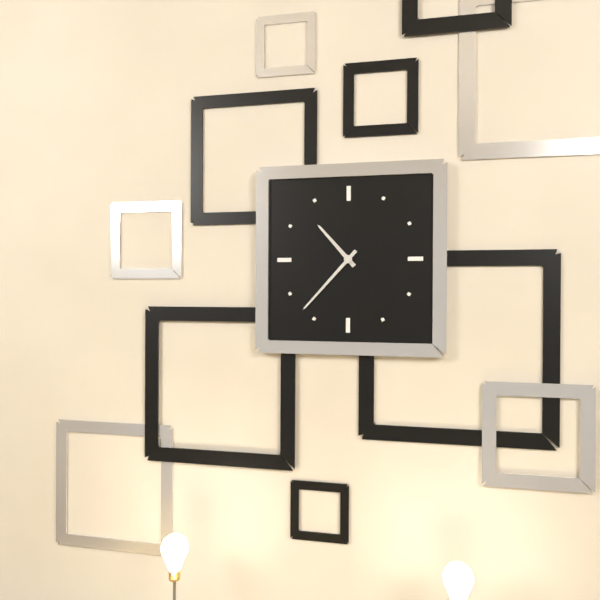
10:37
